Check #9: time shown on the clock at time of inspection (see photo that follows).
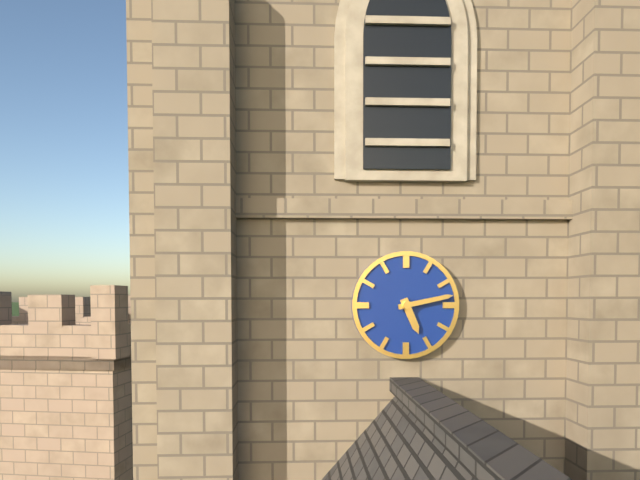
5:13
